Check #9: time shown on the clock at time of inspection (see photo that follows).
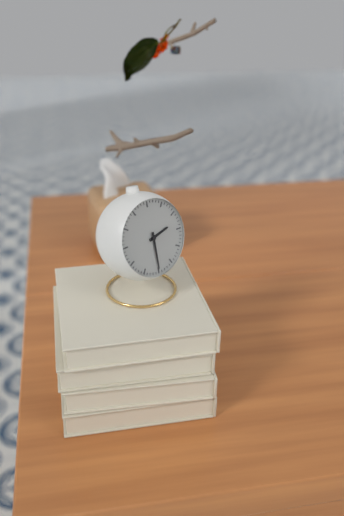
2:30
